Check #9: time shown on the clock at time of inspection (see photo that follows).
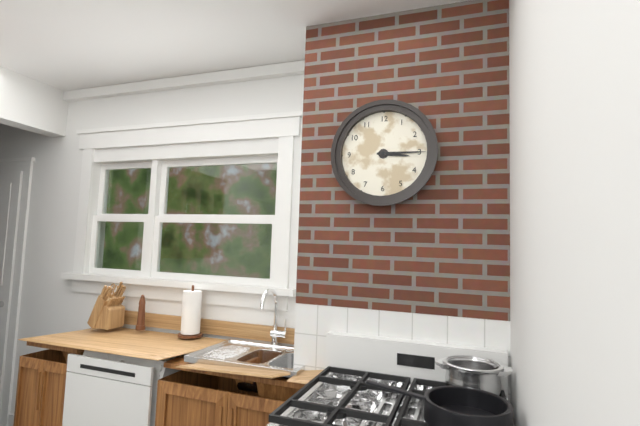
3:15
